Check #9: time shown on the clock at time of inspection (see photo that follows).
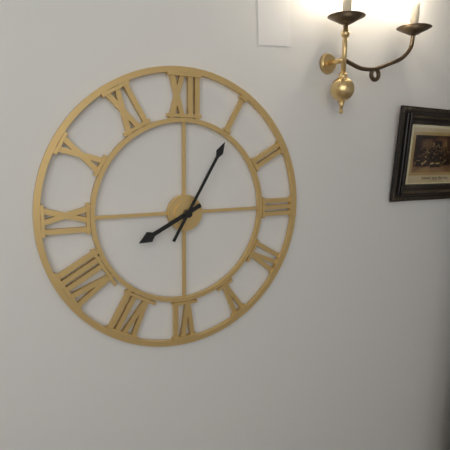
8:05
